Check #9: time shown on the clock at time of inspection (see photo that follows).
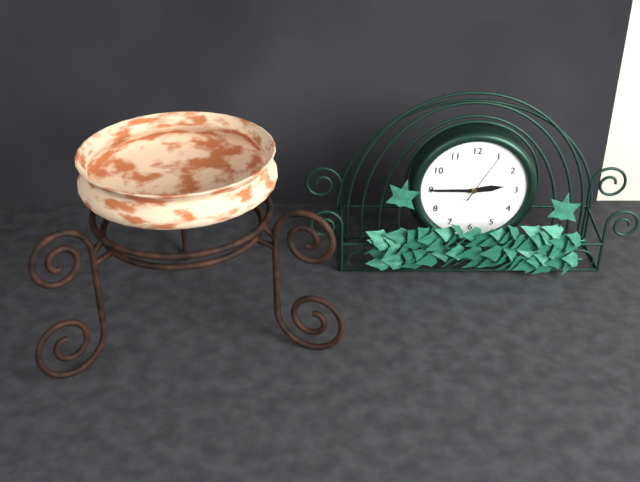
2:45:05
